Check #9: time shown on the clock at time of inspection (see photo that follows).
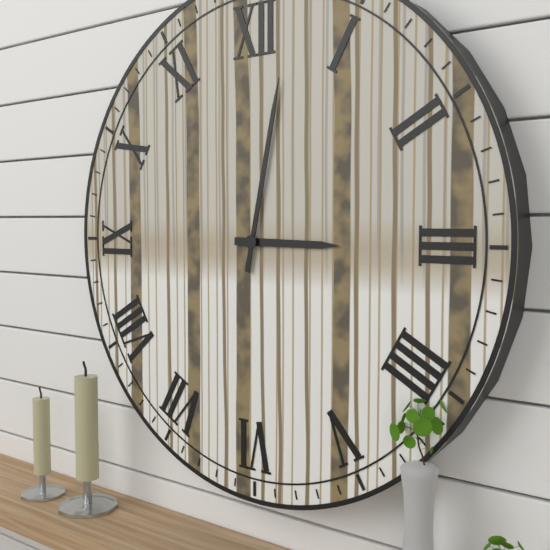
3:02
